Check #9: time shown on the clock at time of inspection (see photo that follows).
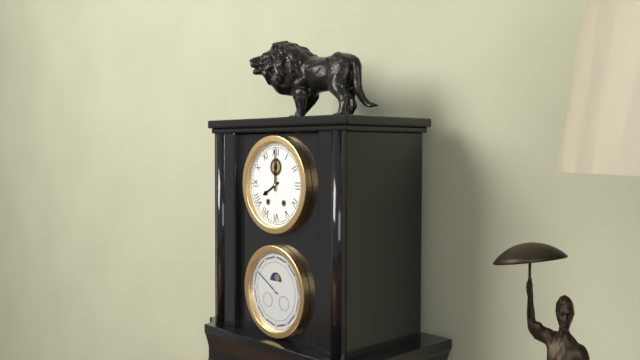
8:00
